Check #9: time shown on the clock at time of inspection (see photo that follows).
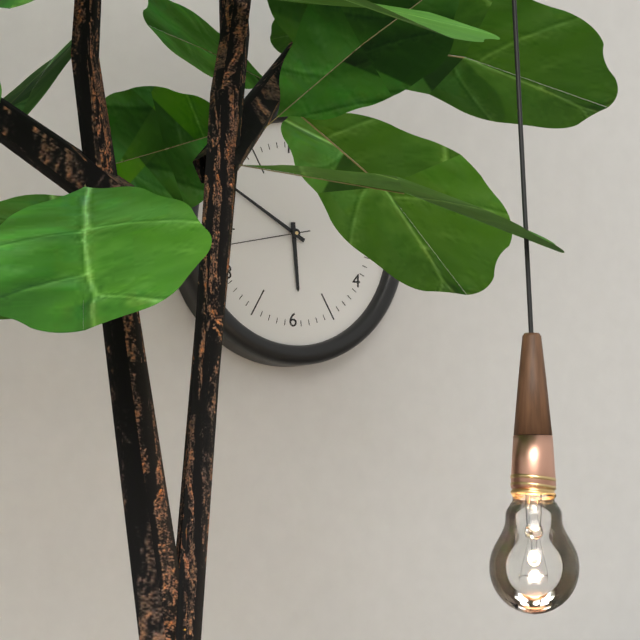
5:50:43
